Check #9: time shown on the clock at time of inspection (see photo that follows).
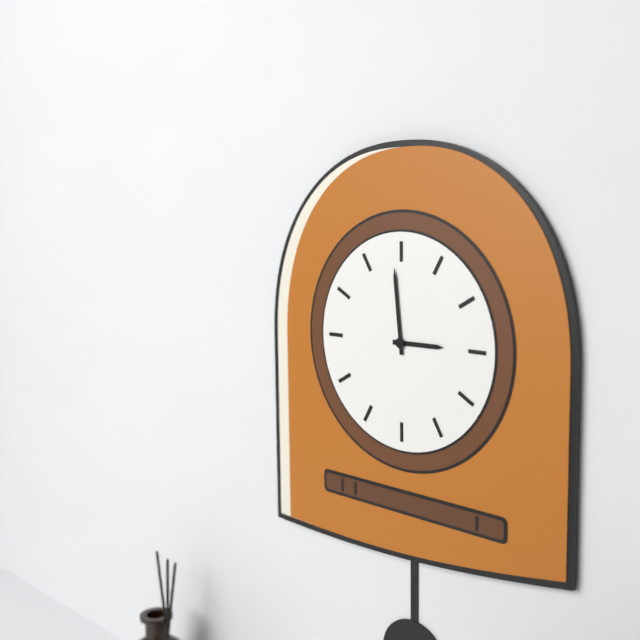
2:59
